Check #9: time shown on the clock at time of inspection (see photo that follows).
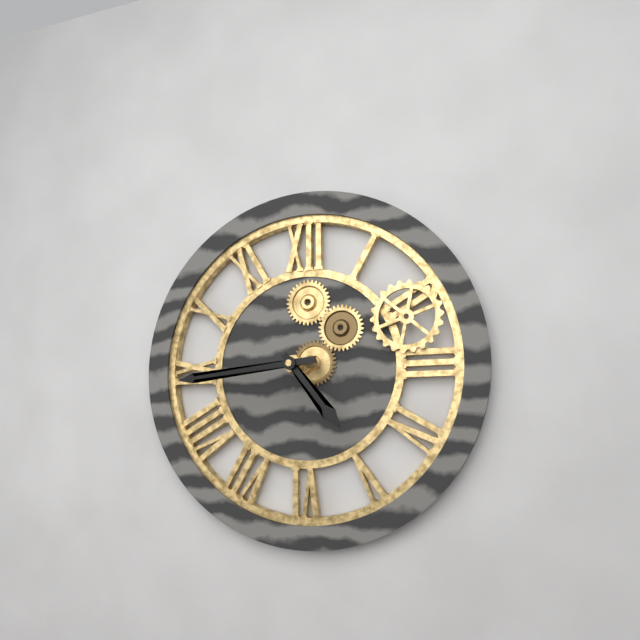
4:44
